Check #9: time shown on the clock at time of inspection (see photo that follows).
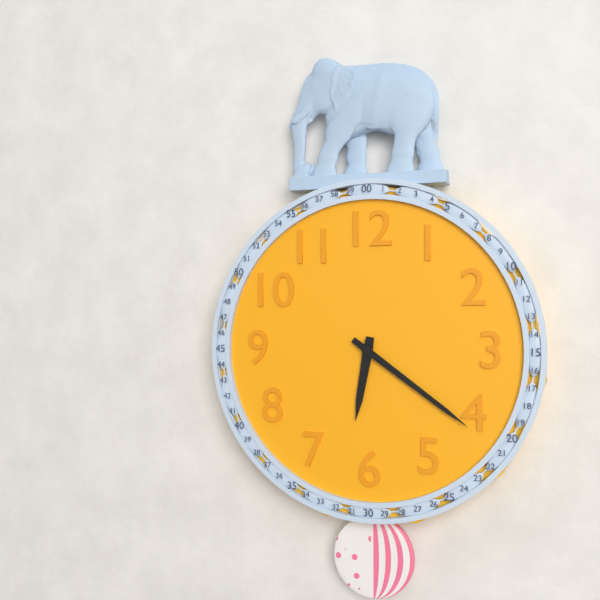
6:21
